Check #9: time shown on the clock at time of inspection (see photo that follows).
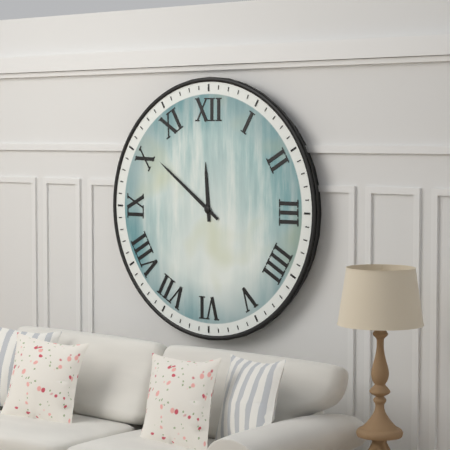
11:51
